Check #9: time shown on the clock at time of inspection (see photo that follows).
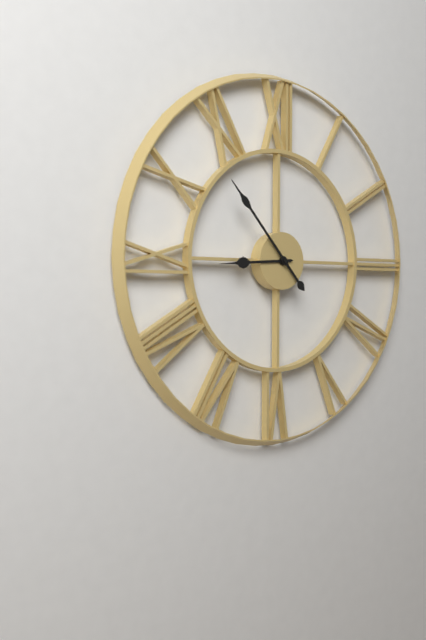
8:53
